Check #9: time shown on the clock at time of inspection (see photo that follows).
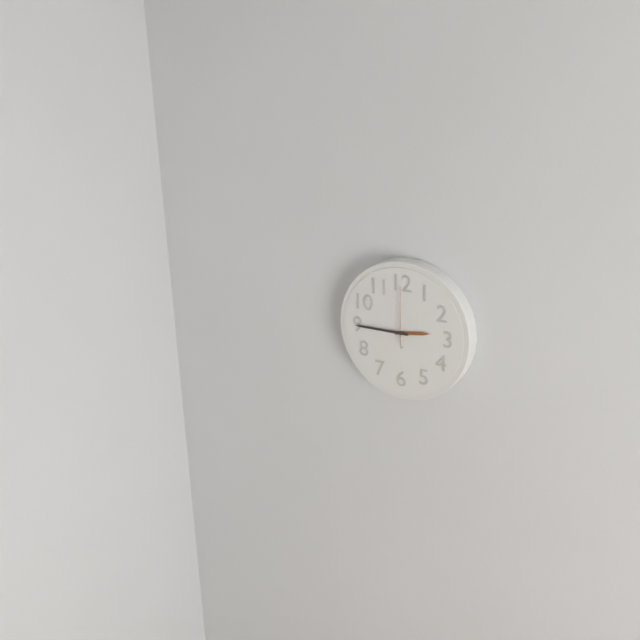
2:45:00
